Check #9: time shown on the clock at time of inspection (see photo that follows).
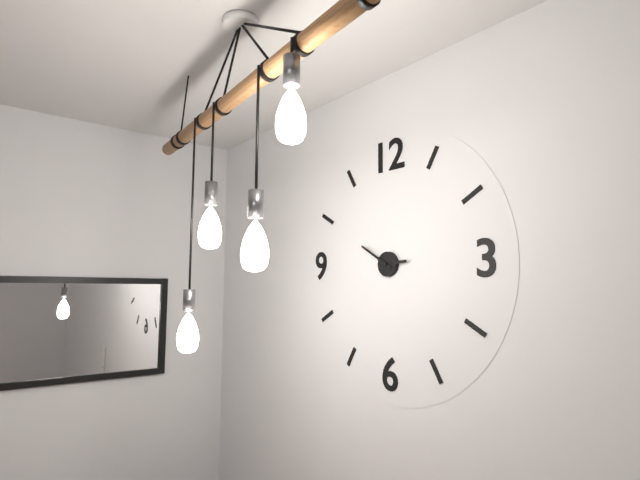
2:50
